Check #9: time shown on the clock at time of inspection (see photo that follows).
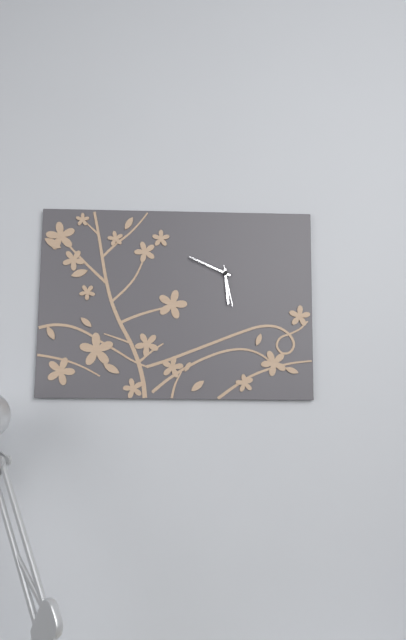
5:49
